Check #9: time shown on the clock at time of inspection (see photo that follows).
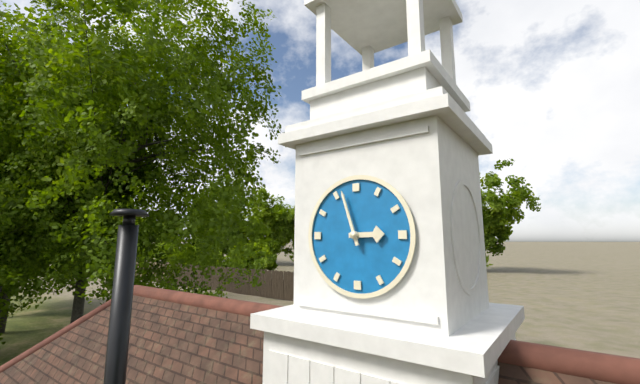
2:57
